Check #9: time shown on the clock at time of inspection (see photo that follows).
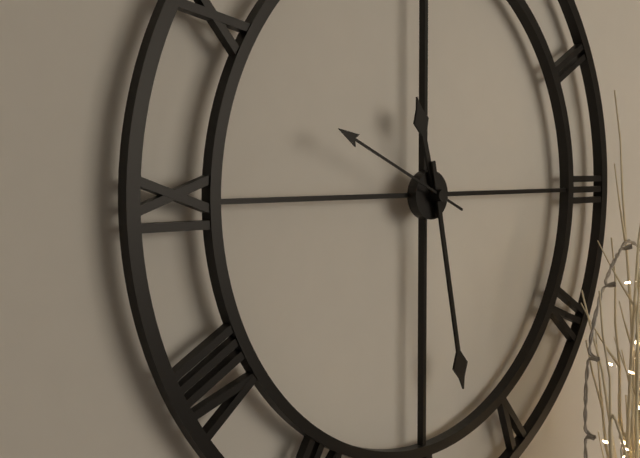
11:28:49
